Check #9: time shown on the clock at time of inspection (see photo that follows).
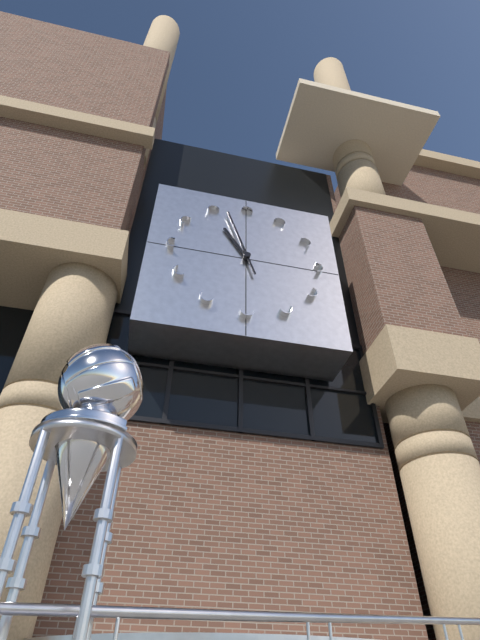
10:57
